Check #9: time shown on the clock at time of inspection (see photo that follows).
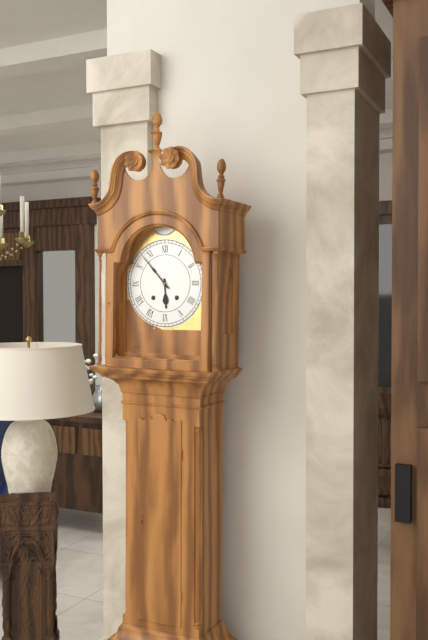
5:53
